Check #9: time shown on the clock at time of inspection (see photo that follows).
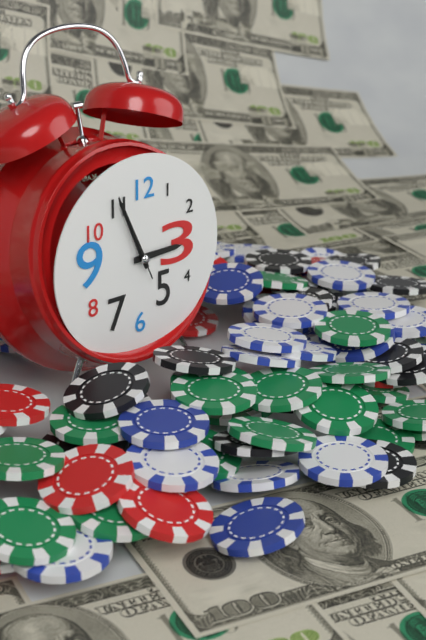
2:56:56
